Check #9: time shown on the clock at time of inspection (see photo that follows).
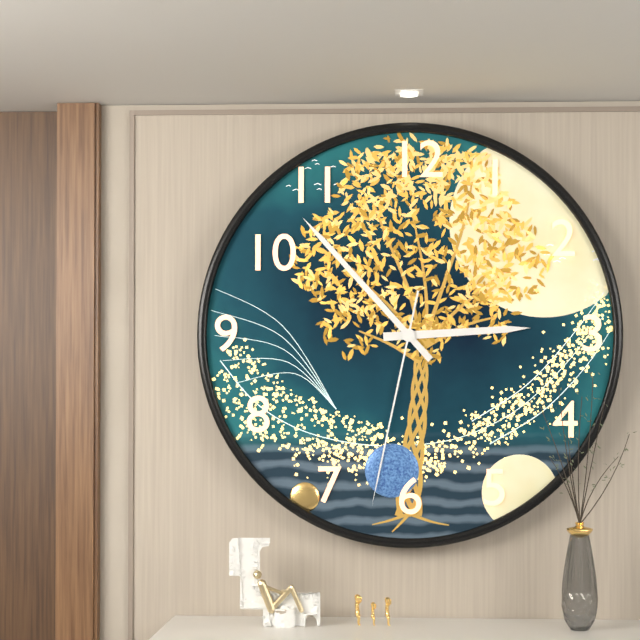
2:53:32
